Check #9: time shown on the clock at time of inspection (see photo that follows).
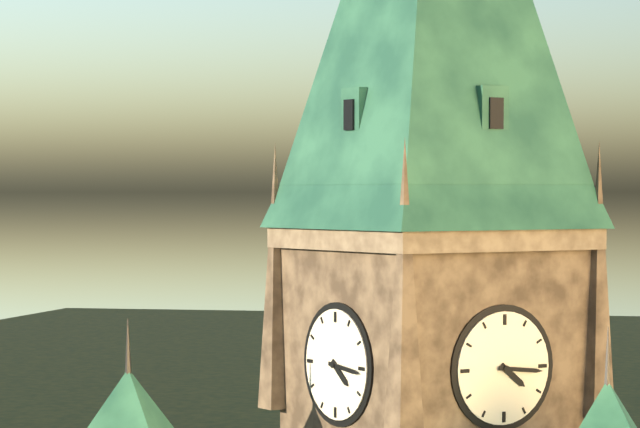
4:16
